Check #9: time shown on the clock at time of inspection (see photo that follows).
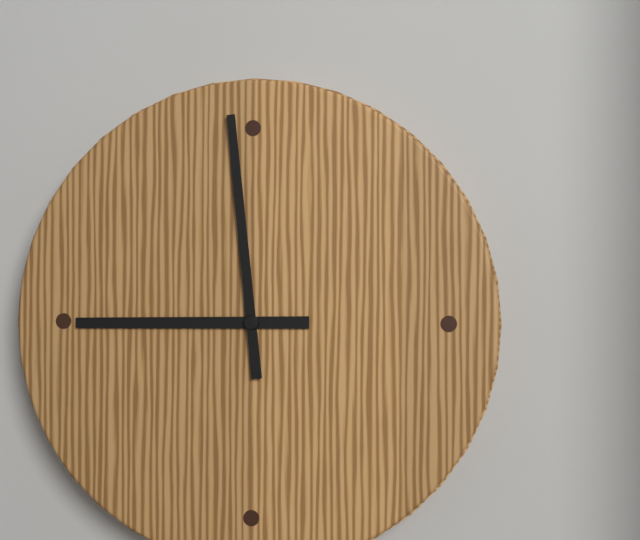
8:59
